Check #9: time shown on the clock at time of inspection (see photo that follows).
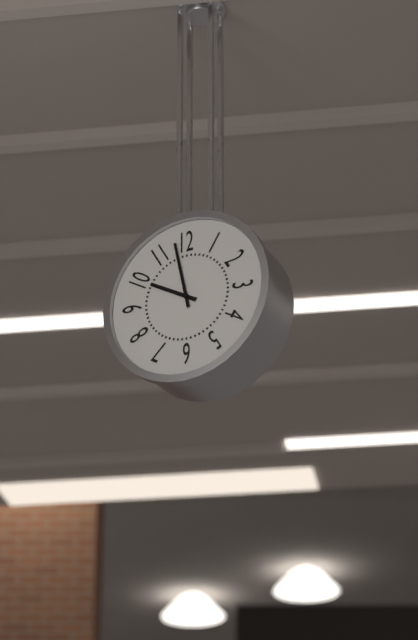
9:58
